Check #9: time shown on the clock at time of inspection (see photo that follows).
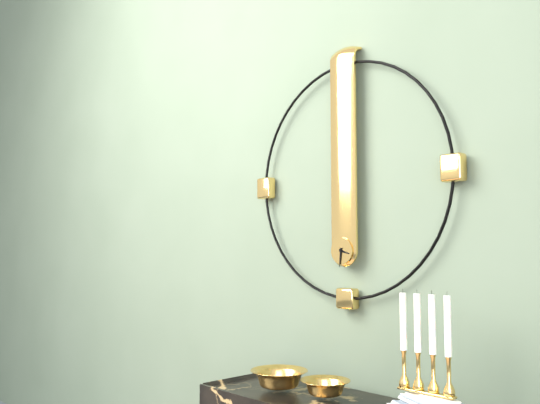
3:31
